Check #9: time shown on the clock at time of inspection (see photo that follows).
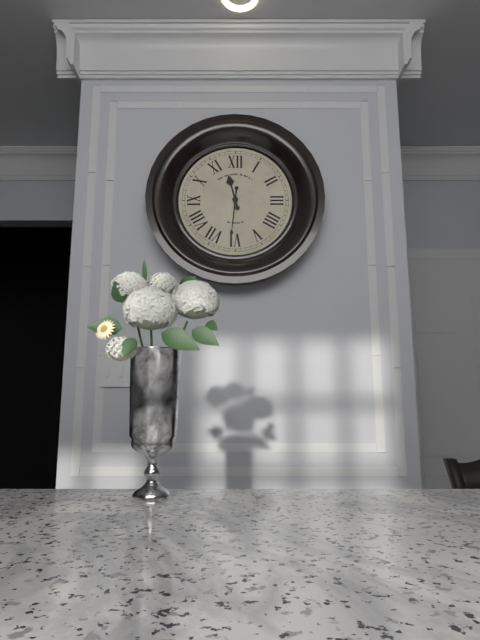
11:31
